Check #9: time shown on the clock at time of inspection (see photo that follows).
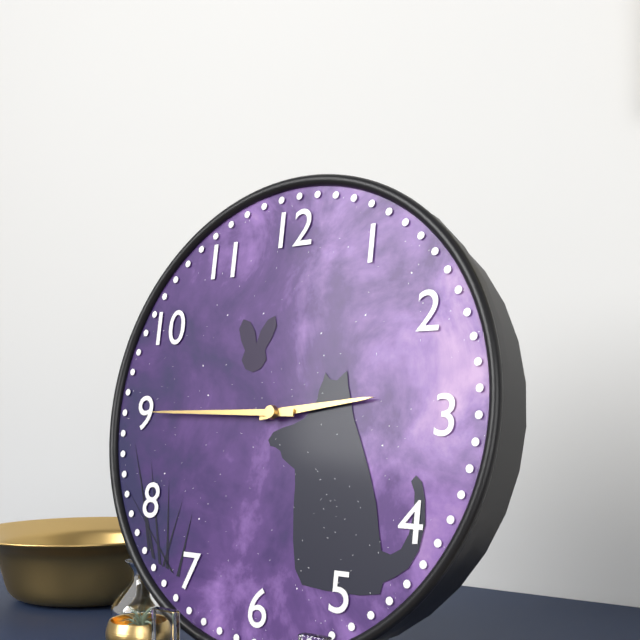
2:45
